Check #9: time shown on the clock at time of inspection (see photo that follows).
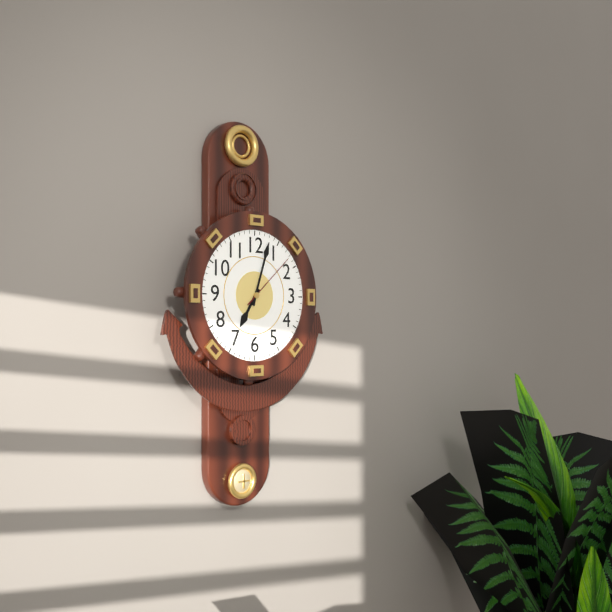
7:03:08
